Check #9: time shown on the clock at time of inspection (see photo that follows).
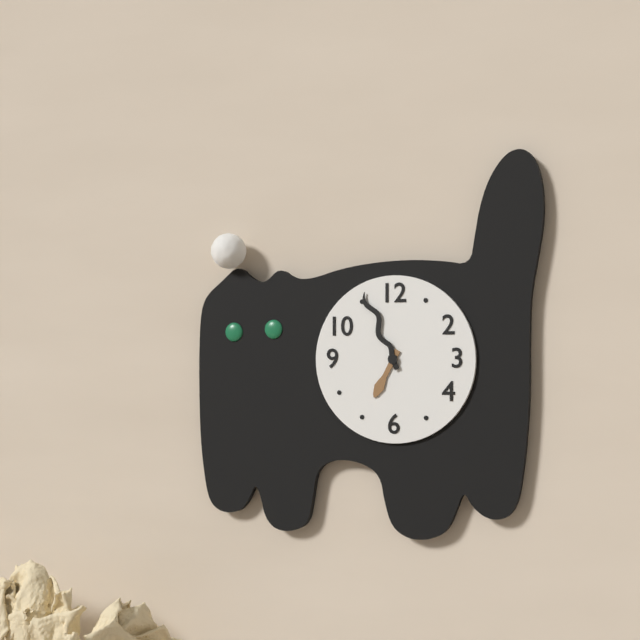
6:56
